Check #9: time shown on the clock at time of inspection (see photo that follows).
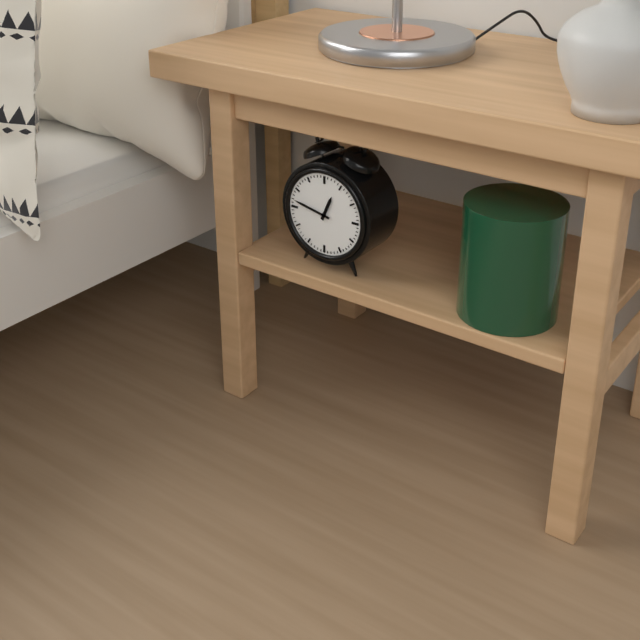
12:47
